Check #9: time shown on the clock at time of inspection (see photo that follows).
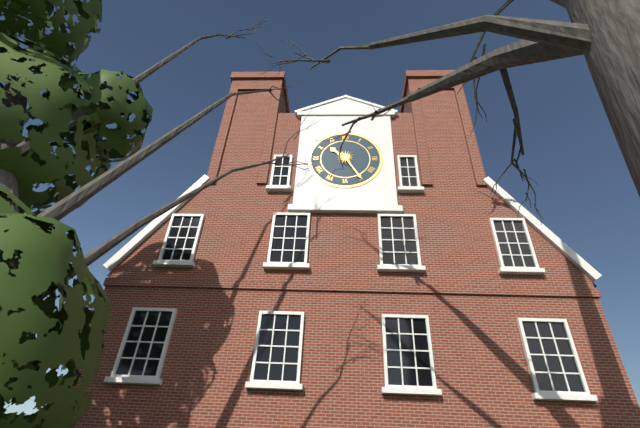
10:25
